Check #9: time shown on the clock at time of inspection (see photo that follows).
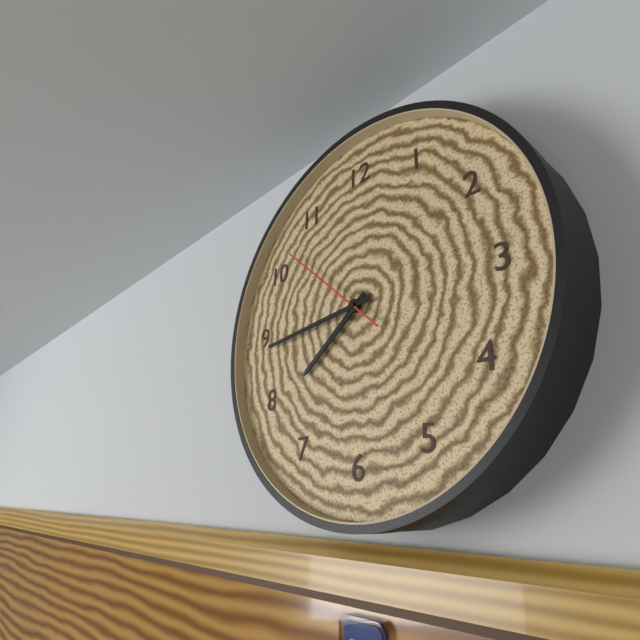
7:44:52
